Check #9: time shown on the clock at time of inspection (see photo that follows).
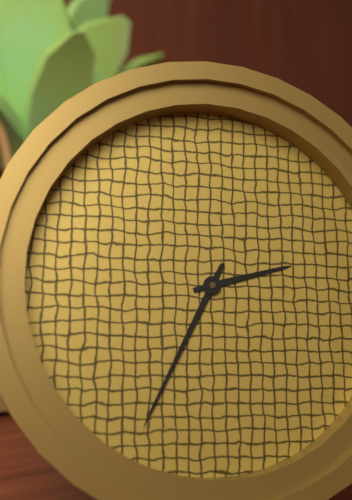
2:35
